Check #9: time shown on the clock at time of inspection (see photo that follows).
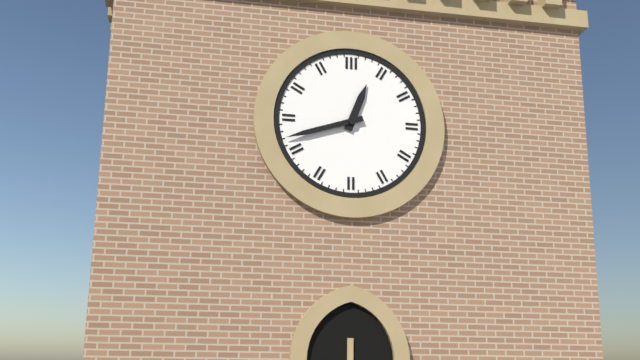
12:42
